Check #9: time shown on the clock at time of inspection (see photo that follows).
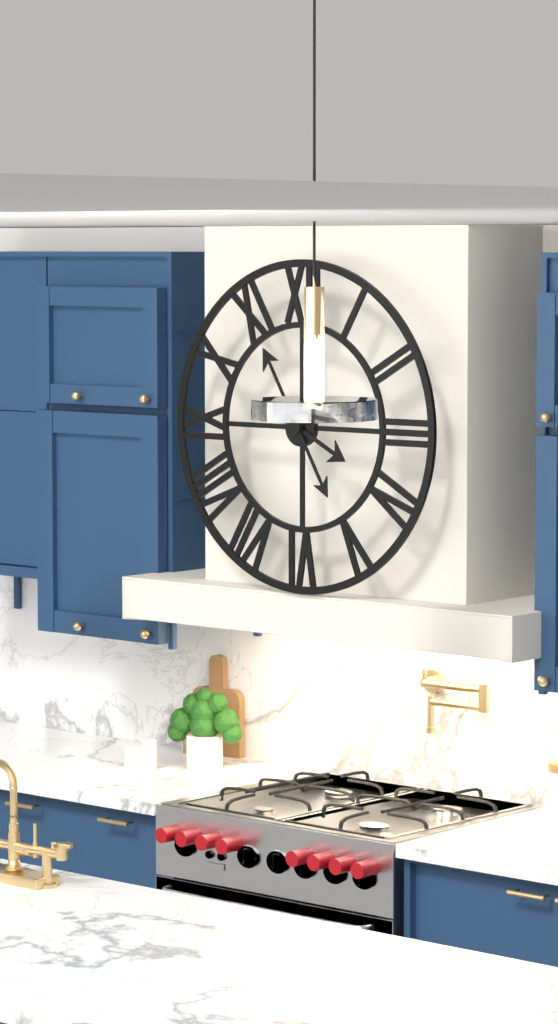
3:55
